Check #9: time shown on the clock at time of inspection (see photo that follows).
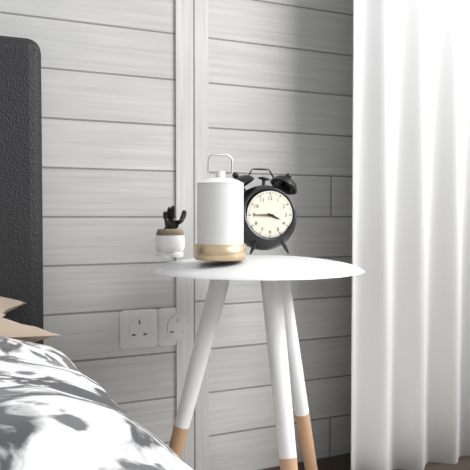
3:45
